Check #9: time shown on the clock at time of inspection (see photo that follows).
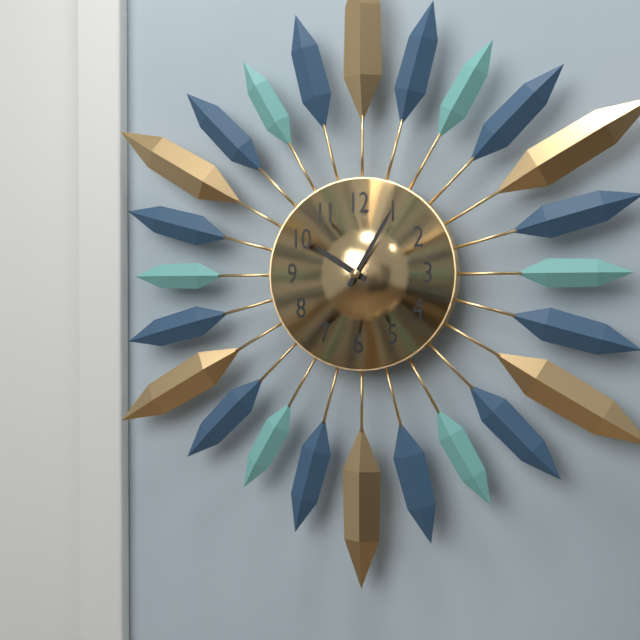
10:05
